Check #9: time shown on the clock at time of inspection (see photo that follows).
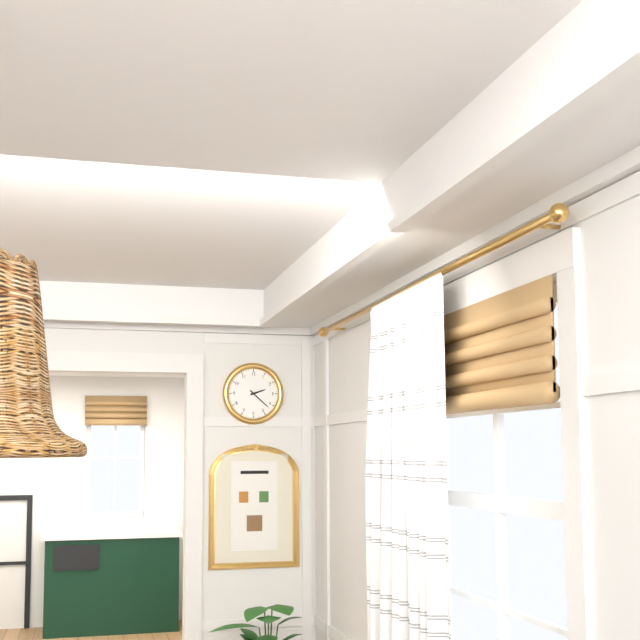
2:22
